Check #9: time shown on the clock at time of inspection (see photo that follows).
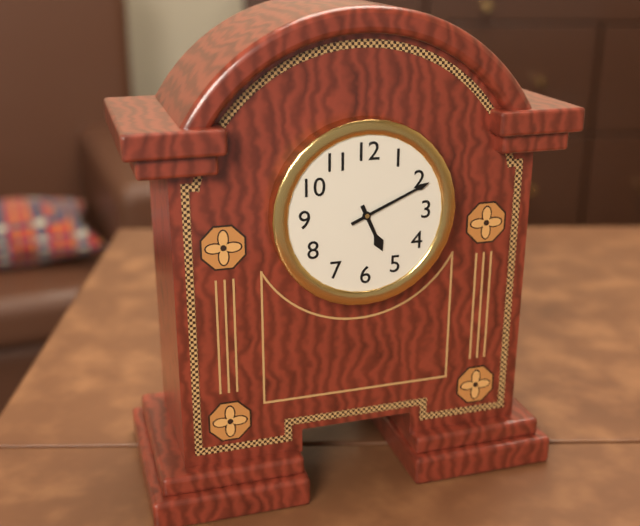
5:11
